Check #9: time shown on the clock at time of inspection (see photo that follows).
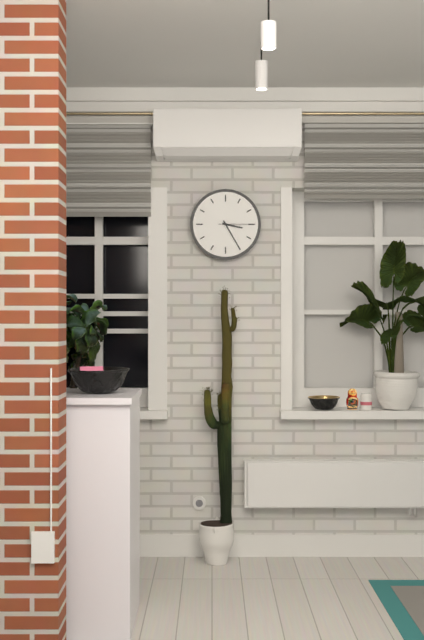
3:25
